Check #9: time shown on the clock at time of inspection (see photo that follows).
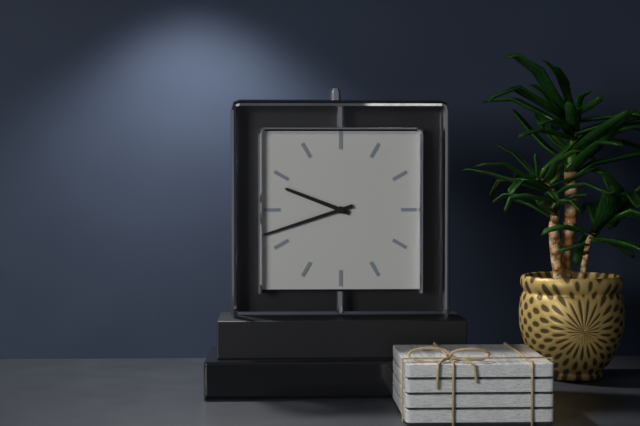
9:42
